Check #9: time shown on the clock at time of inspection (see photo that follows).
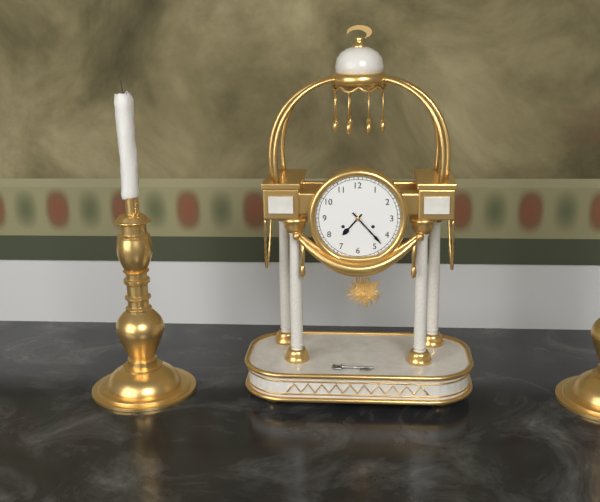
7:23
